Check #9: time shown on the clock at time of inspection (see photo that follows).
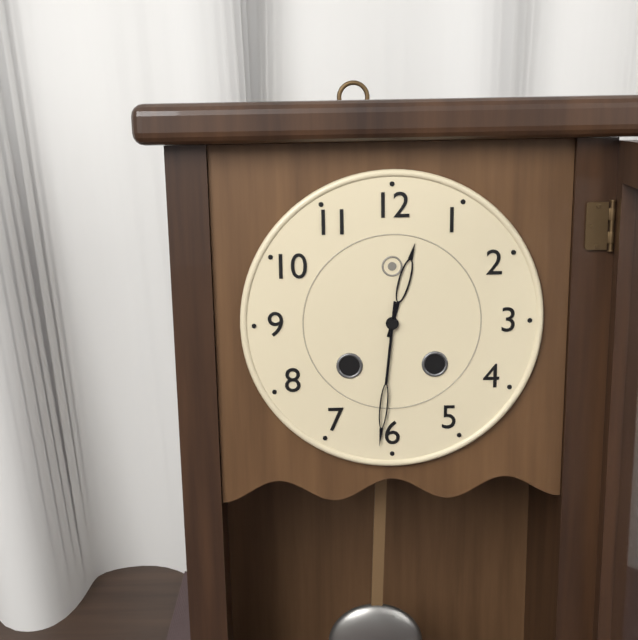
12:31
